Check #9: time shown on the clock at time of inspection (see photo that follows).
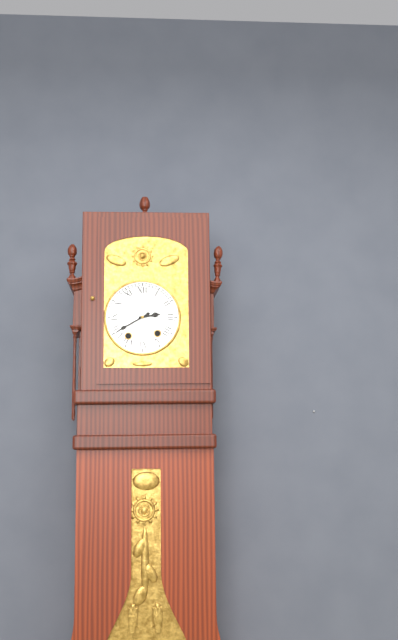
2:40
